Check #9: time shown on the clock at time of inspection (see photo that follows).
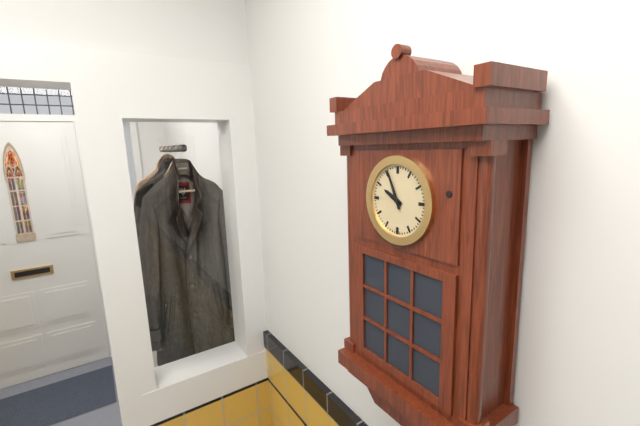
9:56
